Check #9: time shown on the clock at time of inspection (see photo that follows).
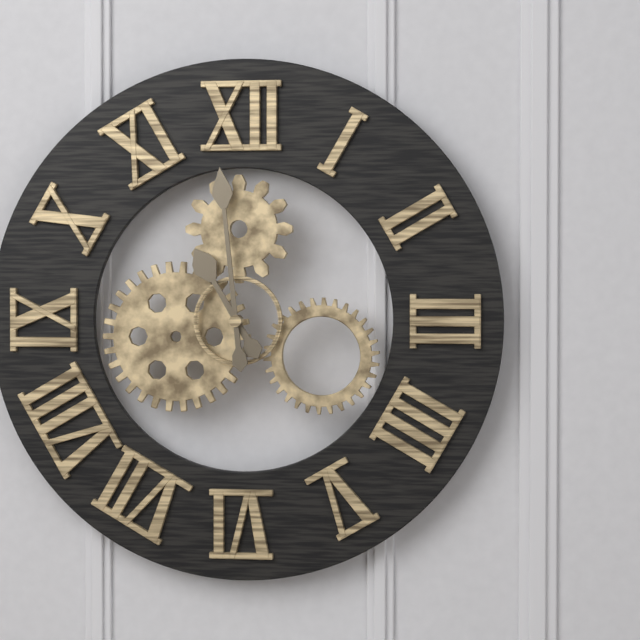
10:59
